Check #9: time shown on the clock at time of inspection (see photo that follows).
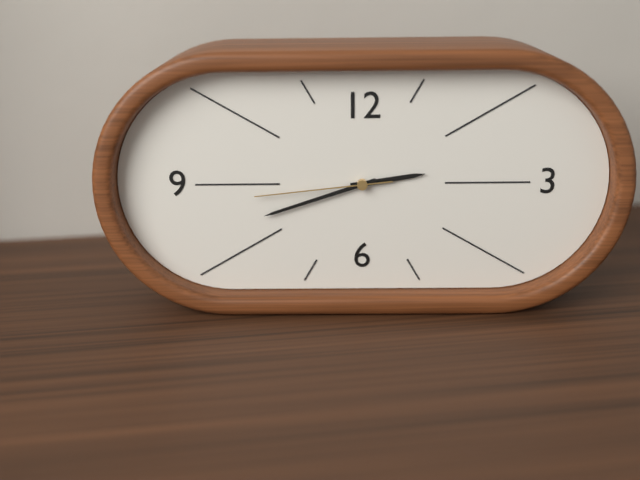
2:42:44
